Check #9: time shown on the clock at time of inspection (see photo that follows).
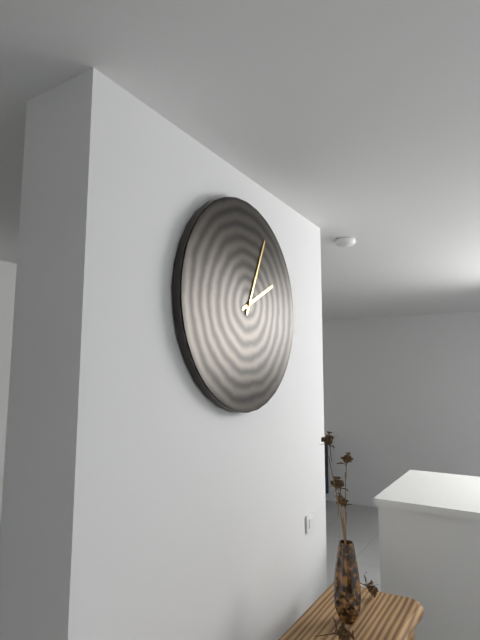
2:04
